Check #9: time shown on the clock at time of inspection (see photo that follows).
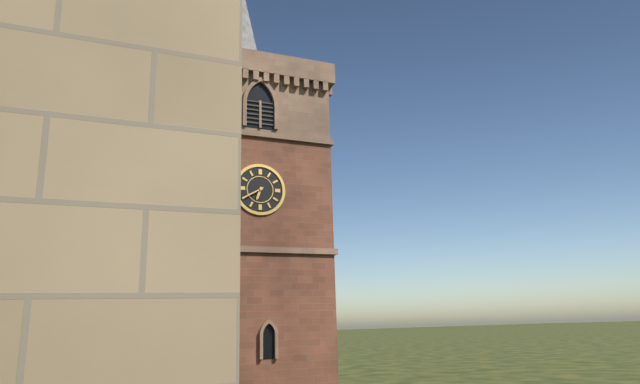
6:40
